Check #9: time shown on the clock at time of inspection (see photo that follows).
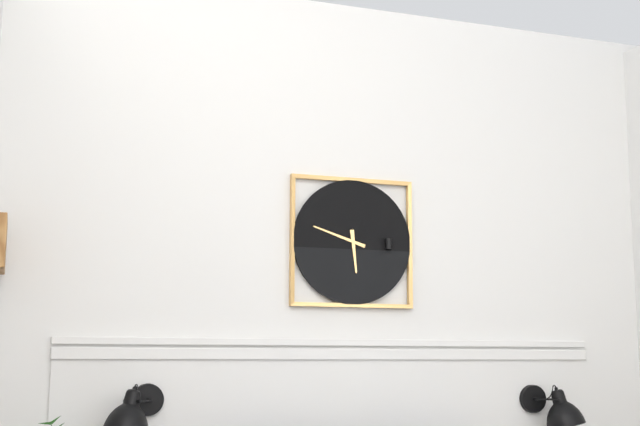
5:48
